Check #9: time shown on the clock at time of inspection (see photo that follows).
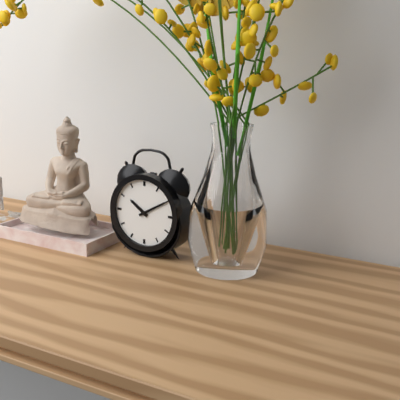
10:10
